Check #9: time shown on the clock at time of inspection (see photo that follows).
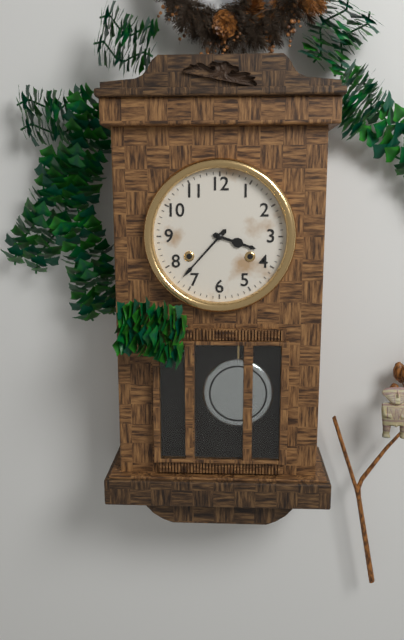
3:37
